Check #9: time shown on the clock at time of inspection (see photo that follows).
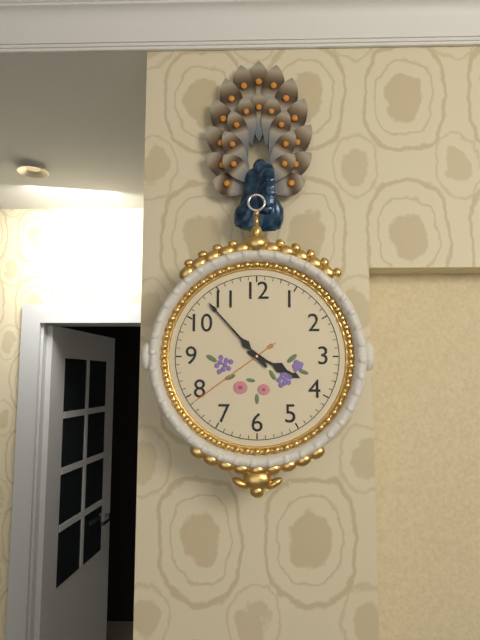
3:53:39
